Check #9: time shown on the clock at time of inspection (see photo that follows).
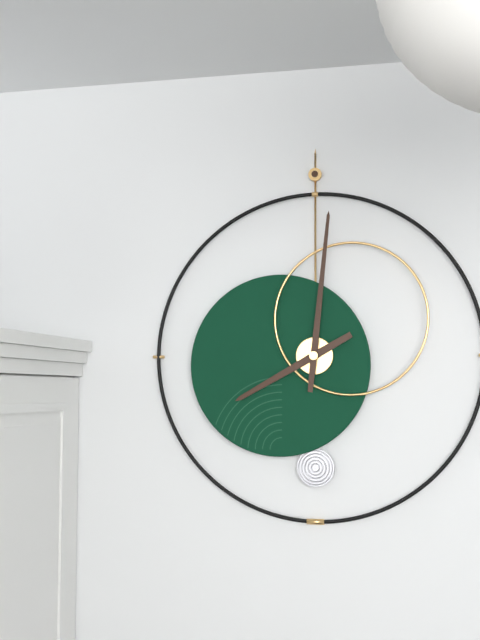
8:01
